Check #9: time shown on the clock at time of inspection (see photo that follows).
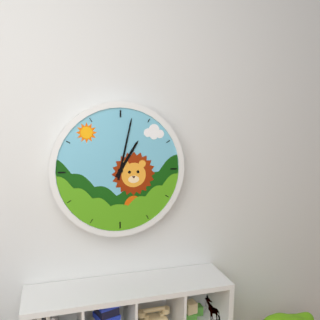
1:02
